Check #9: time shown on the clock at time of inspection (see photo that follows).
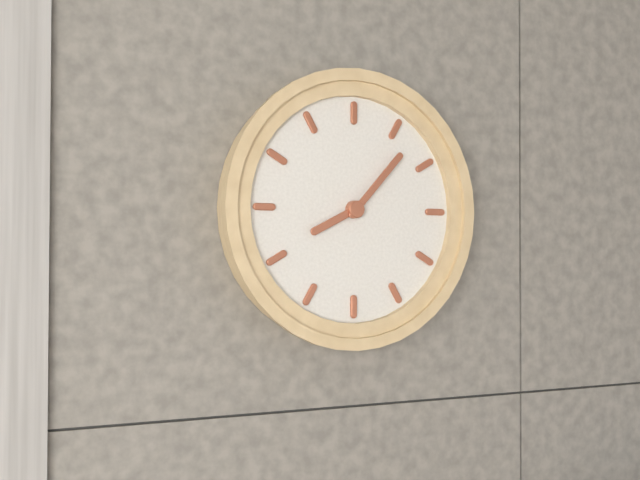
8:07
